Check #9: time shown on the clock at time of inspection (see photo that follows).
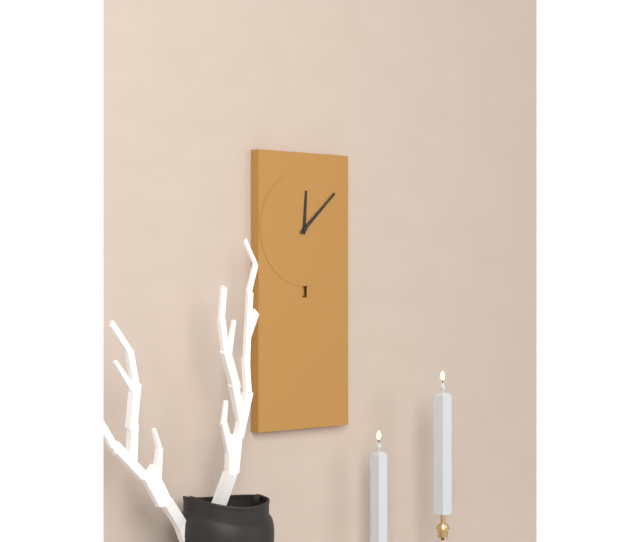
12:08
